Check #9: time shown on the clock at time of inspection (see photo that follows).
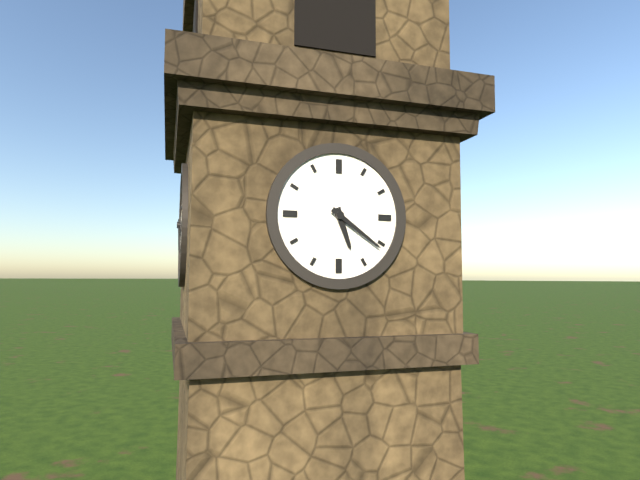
5:21
